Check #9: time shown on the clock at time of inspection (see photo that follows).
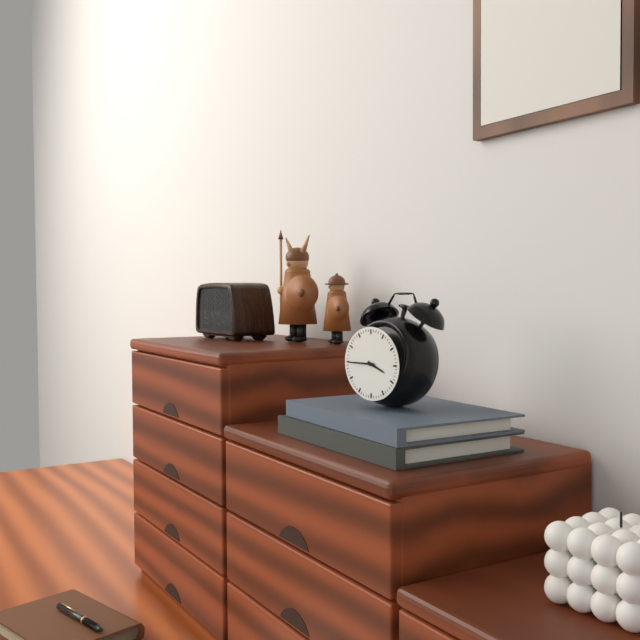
3:45
